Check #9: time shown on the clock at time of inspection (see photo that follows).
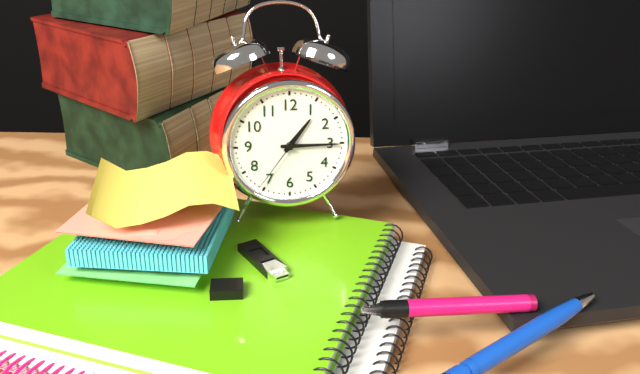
1:15:36
